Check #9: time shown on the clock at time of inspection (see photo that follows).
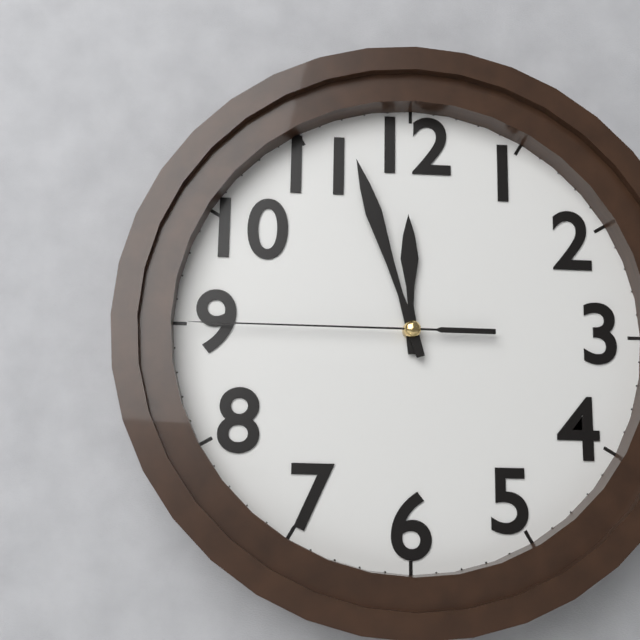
11:57:45
